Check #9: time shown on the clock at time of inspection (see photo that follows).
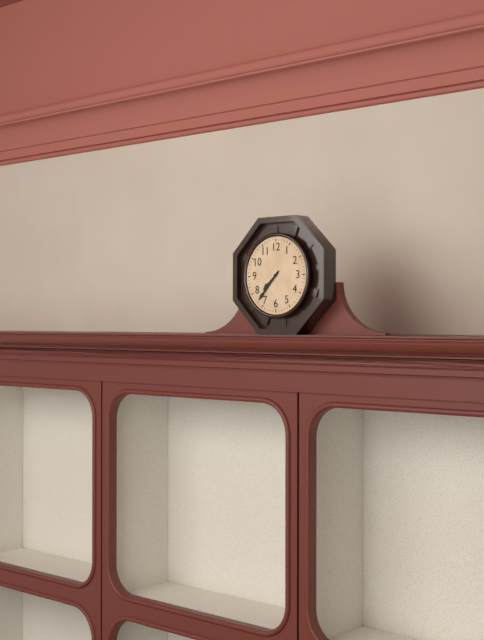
7:37
